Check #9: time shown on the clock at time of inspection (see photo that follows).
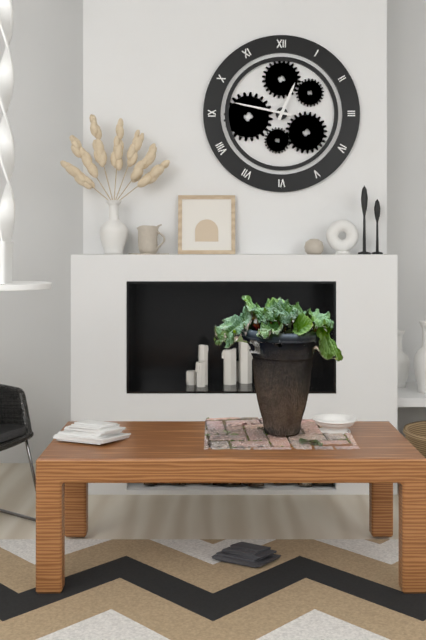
12:47
